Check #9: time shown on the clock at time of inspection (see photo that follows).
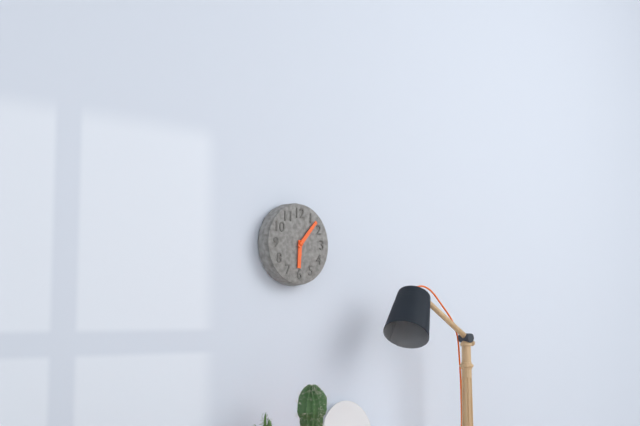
6:07
